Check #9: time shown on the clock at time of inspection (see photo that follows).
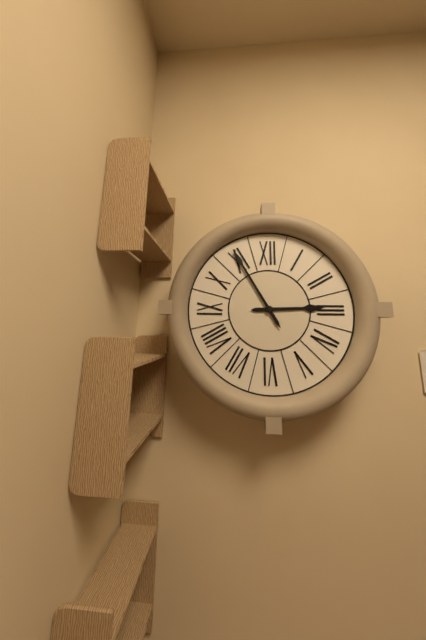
2:55
